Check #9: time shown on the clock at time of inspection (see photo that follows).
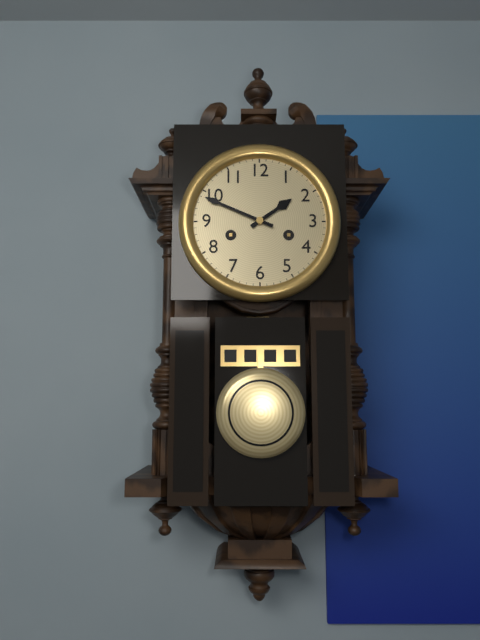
1:49
